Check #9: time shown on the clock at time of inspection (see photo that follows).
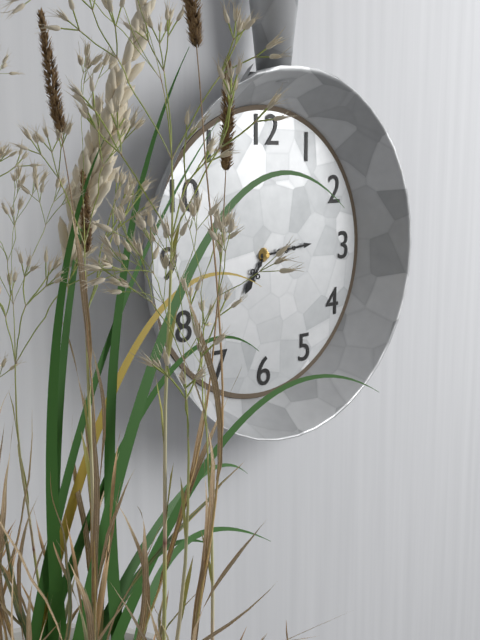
7:14
